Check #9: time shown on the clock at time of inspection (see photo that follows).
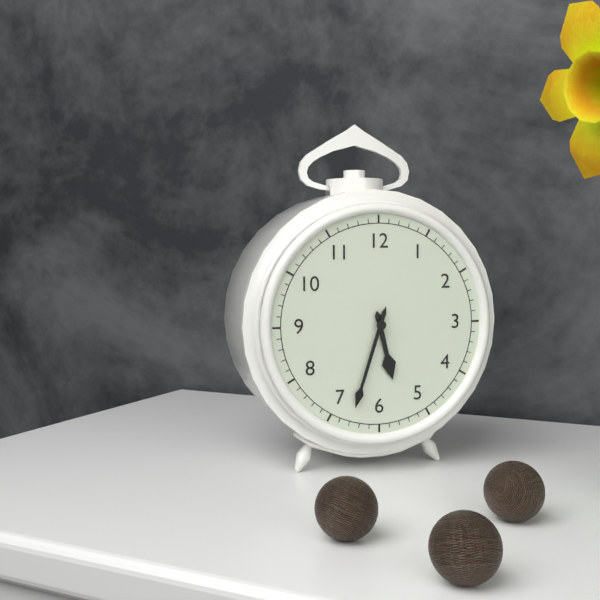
5:33
